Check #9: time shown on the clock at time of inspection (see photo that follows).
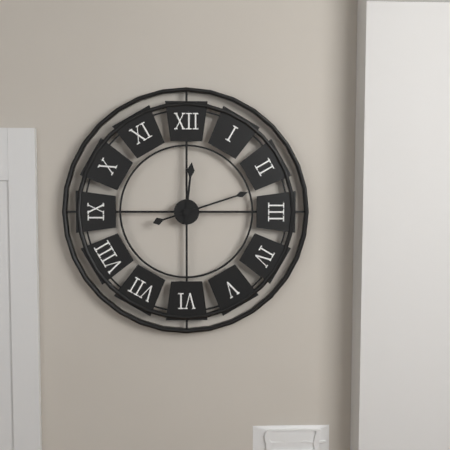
12:12
